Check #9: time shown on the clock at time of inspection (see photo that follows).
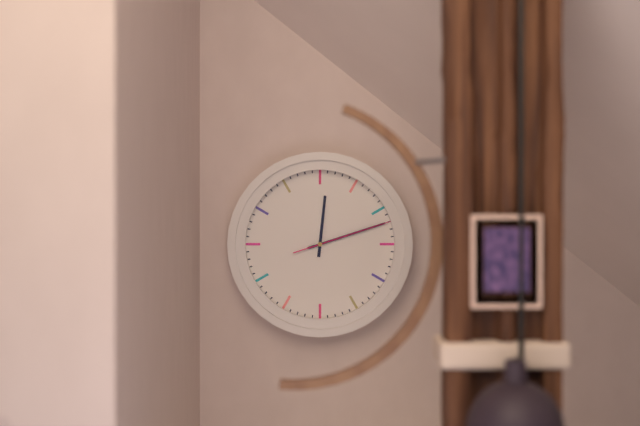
12:12:12
